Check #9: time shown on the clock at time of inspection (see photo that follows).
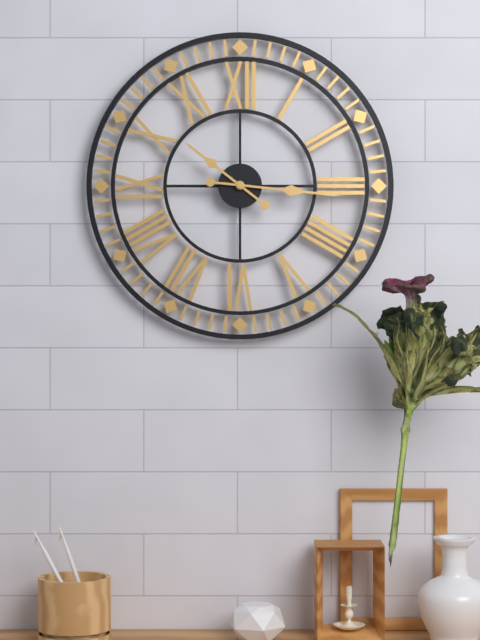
10:16
